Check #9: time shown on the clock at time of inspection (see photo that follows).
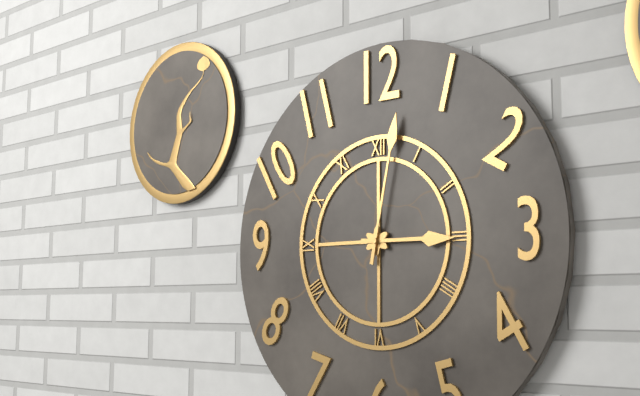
3:02
